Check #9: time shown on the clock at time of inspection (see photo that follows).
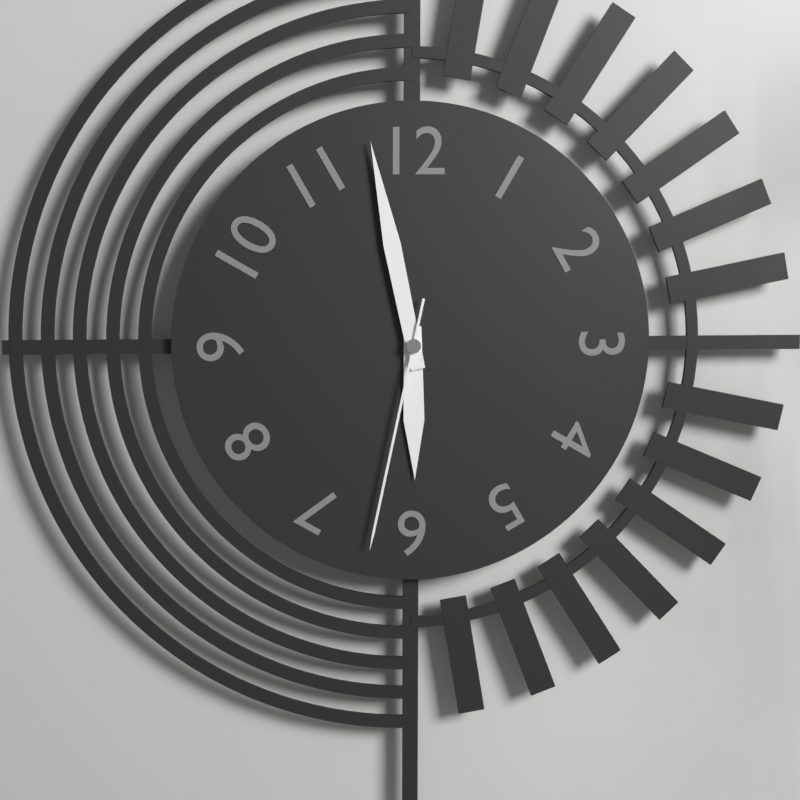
5:58:32
